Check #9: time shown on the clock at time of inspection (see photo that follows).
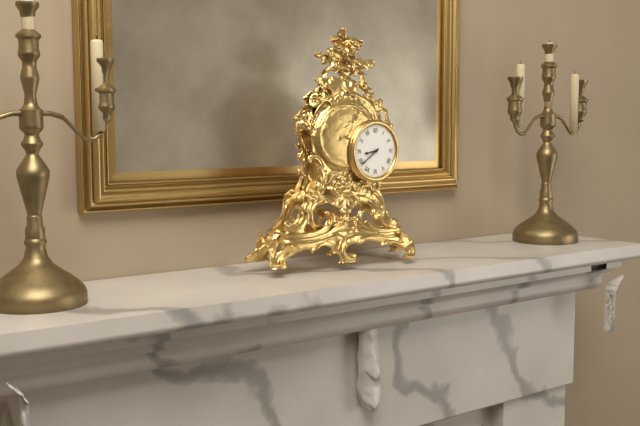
8:39
